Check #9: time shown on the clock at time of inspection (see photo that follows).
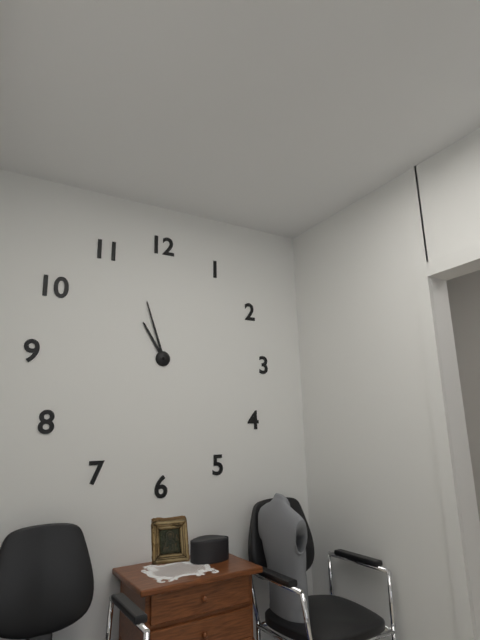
10:57
